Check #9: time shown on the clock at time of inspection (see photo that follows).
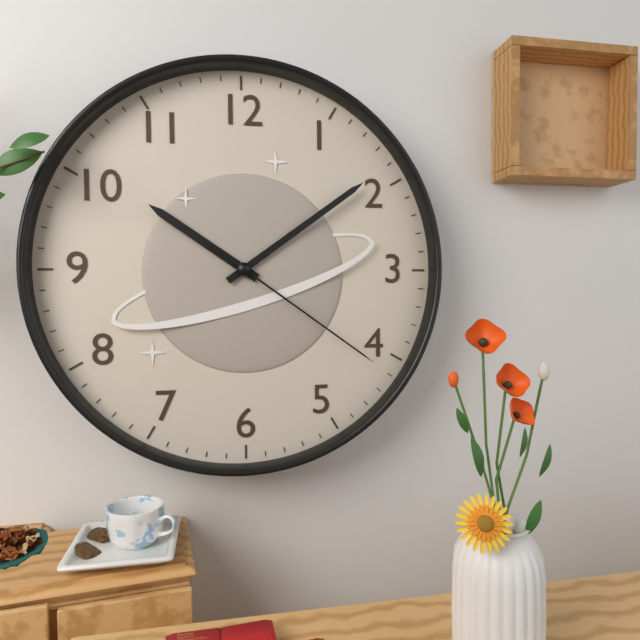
10:09:21
